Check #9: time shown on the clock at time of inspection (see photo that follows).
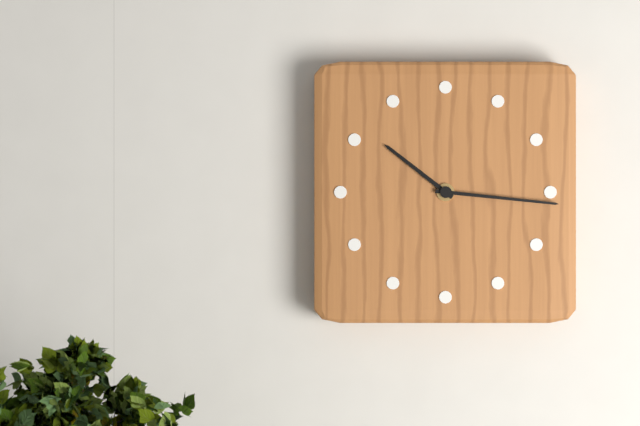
10:16
